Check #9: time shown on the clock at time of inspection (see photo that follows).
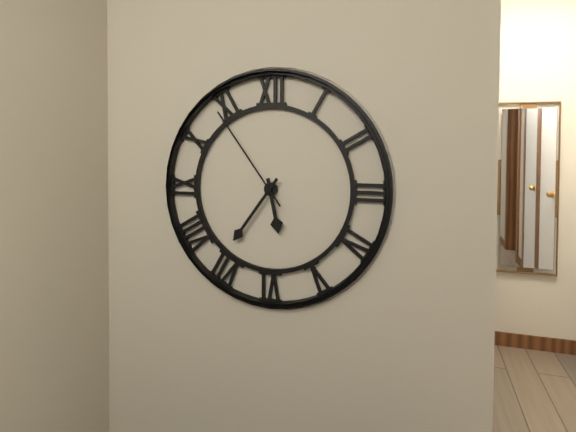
5:36:54
